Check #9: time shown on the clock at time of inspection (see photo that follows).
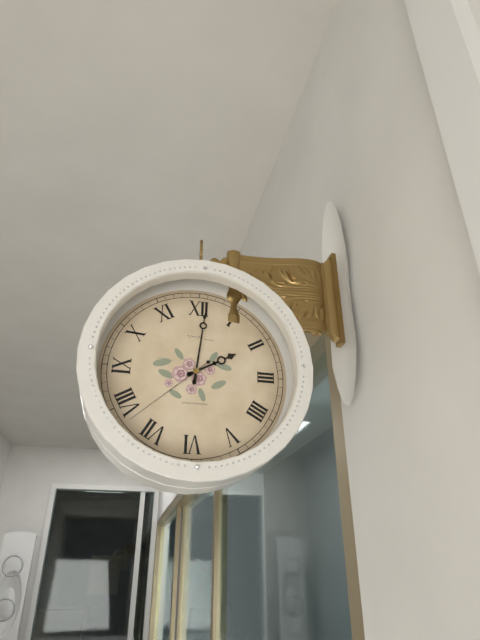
2:01:38
